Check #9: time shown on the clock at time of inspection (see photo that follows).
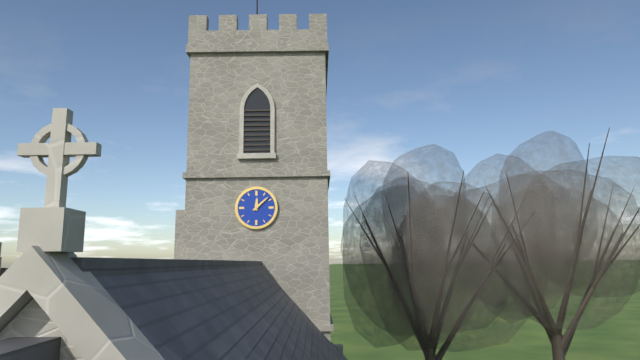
12:08
